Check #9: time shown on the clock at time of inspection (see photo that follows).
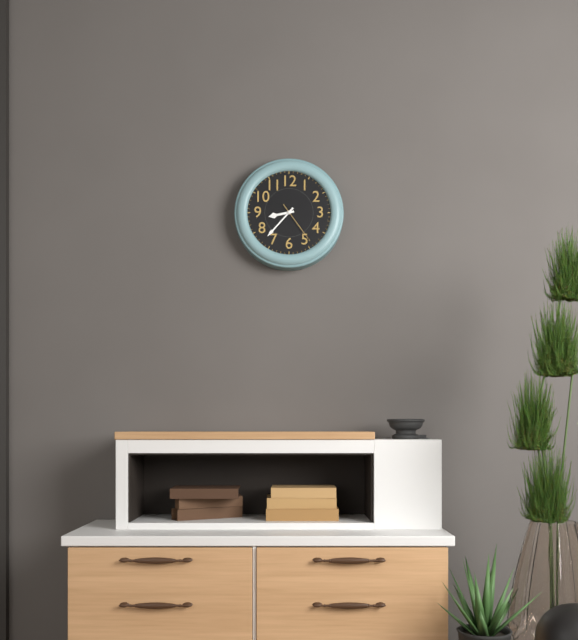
8:37
